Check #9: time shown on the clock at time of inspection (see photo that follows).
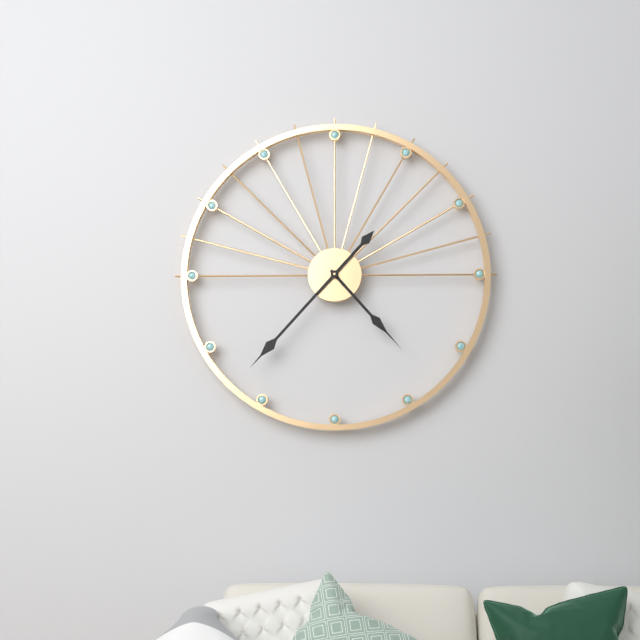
4:37
